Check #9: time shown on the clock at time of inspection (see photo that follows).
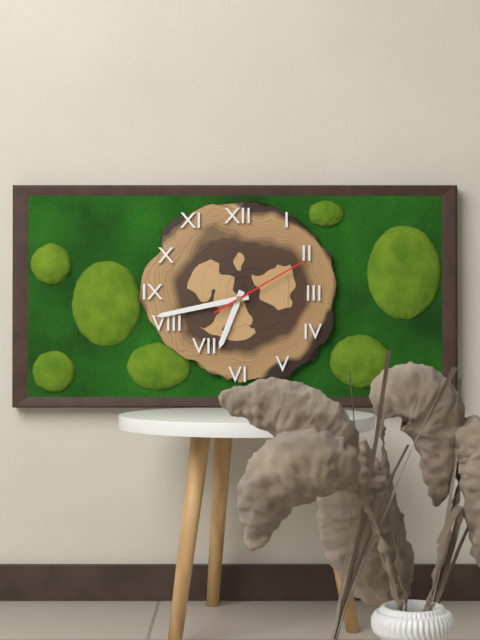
6:43:10
